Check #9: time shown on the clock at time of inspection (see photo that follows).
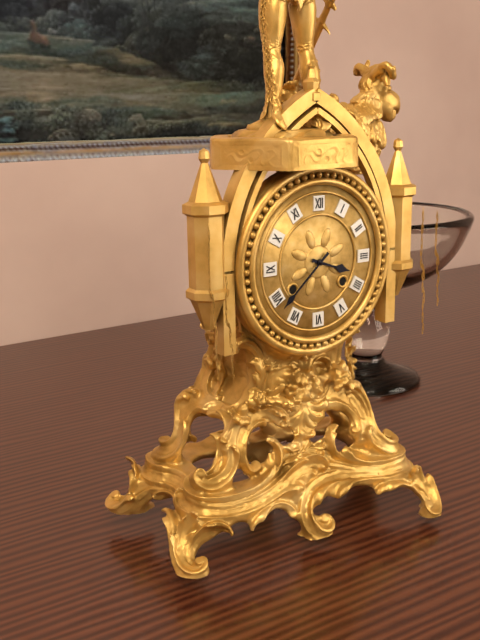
3:38
